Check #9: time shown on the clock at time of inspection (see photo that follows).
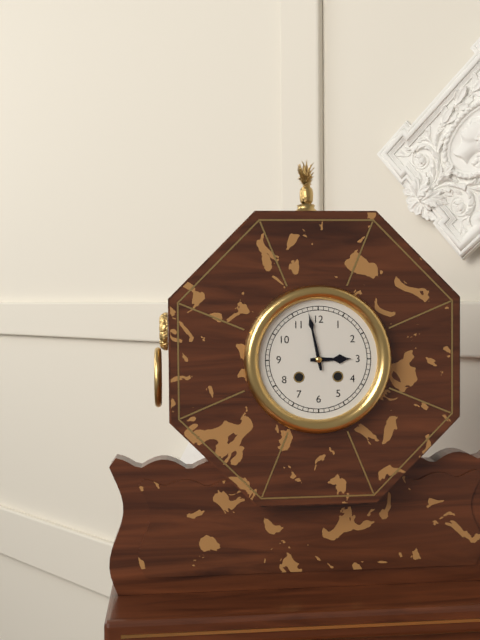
2:58
